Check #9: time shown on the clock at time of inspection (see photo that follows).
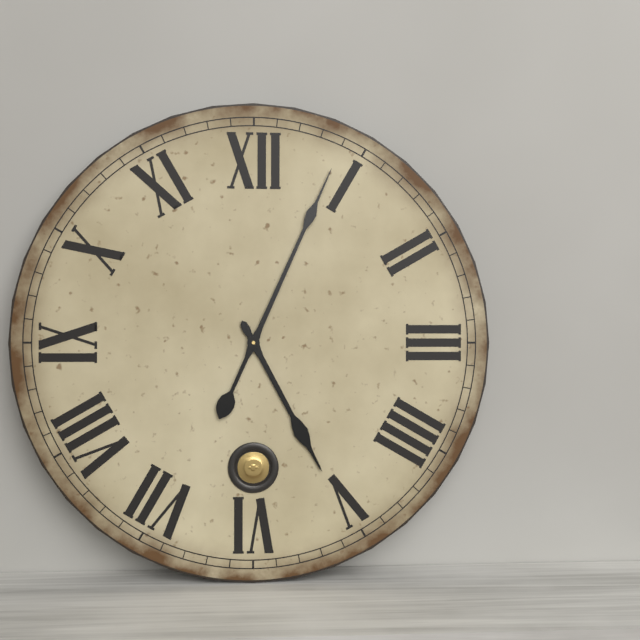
5:04
